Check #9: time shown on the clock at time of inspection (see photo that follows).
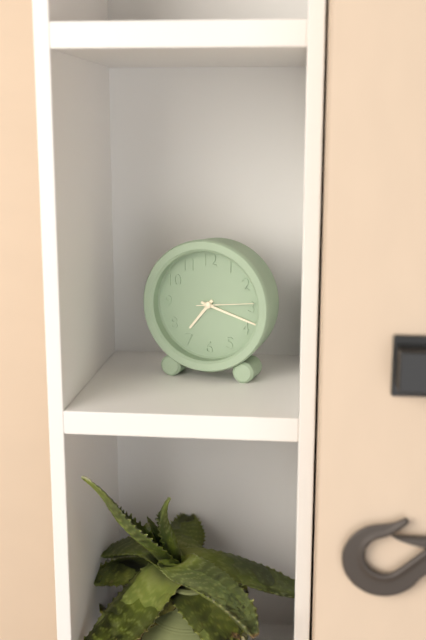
7:18:14
